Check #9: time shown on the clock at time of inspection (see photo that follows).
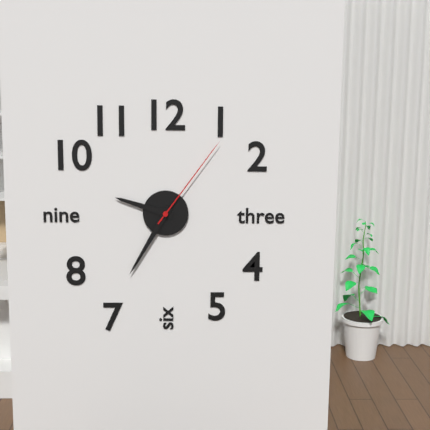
9:35:06
